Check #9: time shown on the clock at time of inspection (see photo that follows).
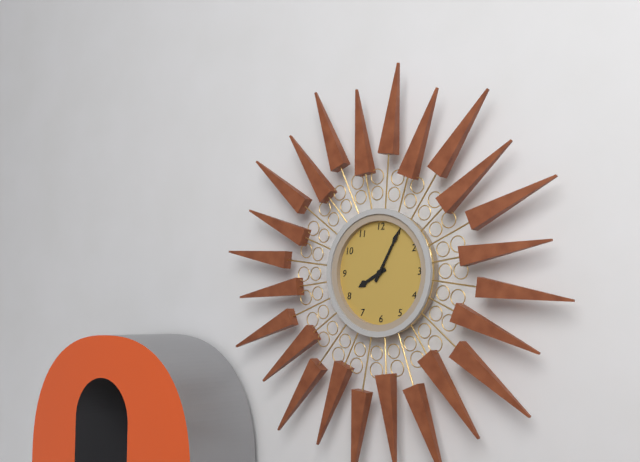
8:05
